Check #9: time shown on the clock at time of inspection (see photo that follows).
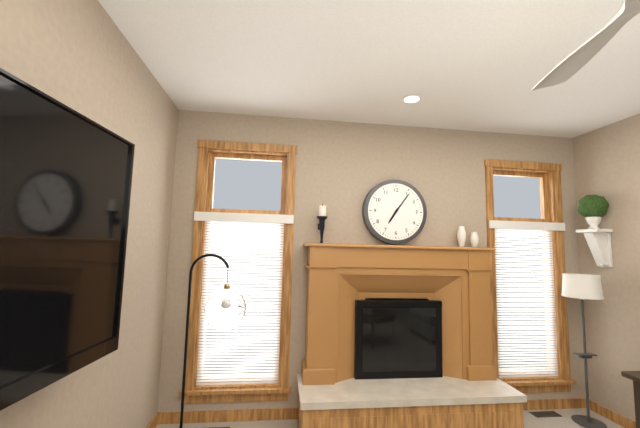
7:06
